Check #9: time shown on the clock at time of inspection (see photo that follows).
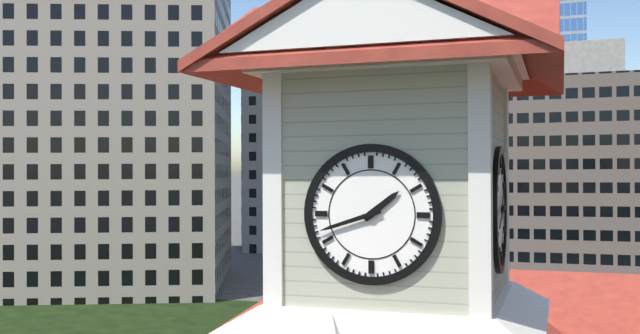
1:42
